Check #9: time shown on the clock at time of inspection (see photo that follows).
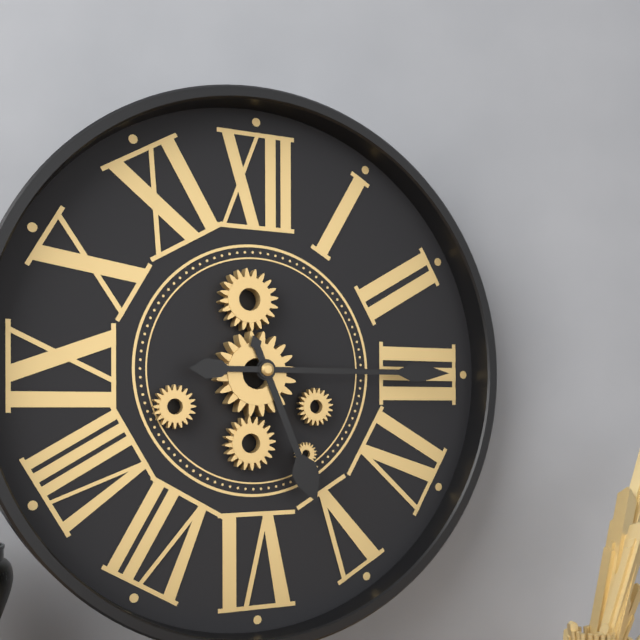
5:15
